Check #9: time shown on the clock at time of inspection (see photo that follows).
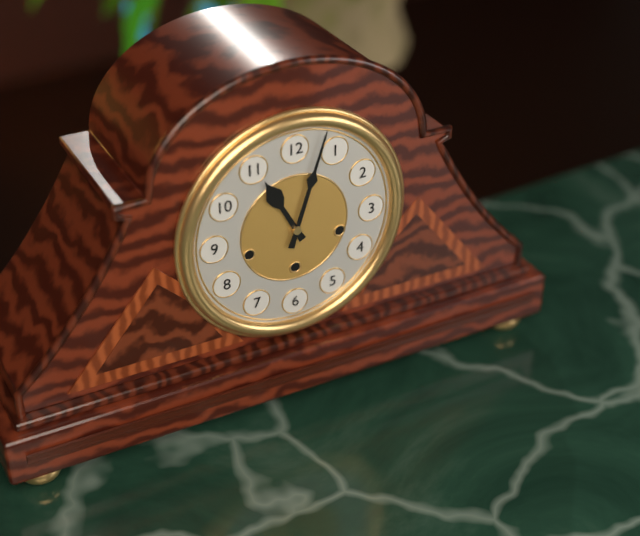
11:03
